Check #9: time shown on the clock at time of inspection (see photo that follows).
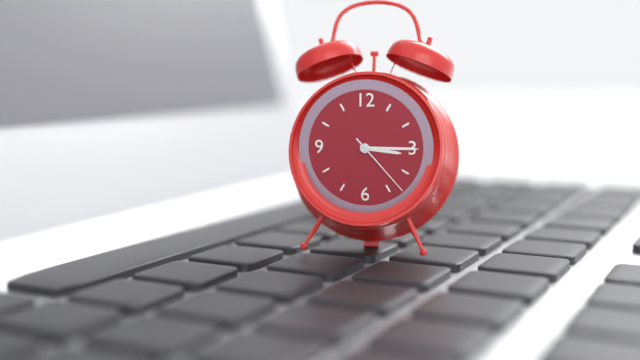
3:15:23
